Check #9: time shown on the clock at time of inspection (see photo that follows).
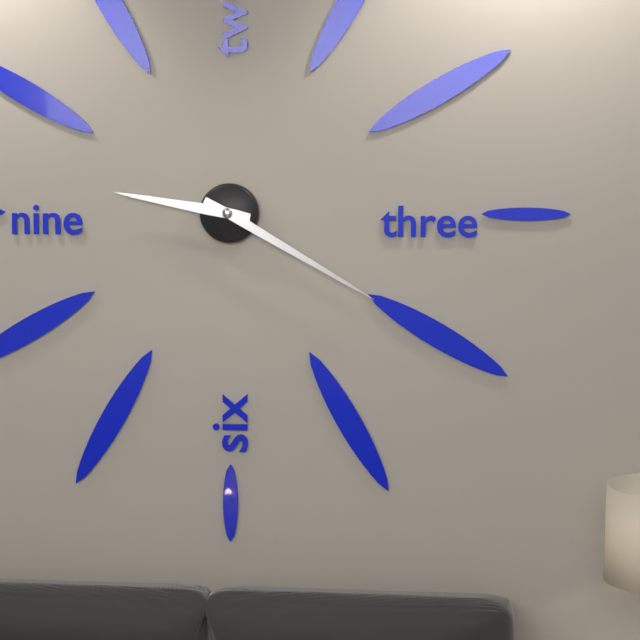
9:20
